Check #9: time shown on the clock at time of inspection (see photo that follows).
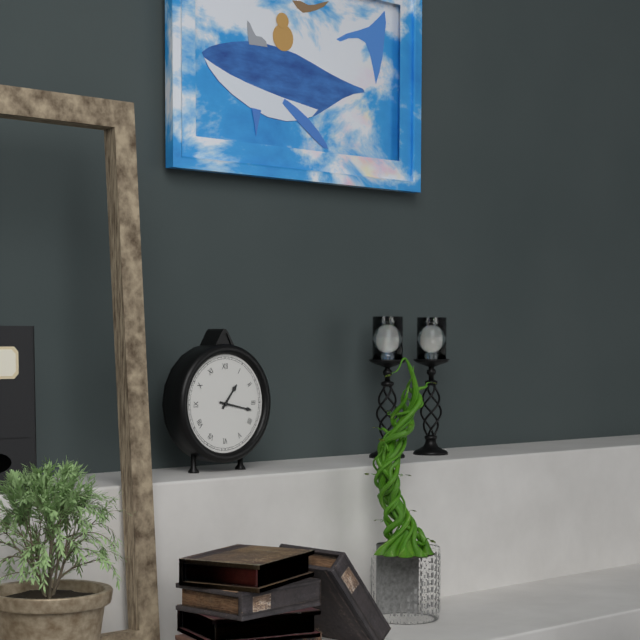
1:17
